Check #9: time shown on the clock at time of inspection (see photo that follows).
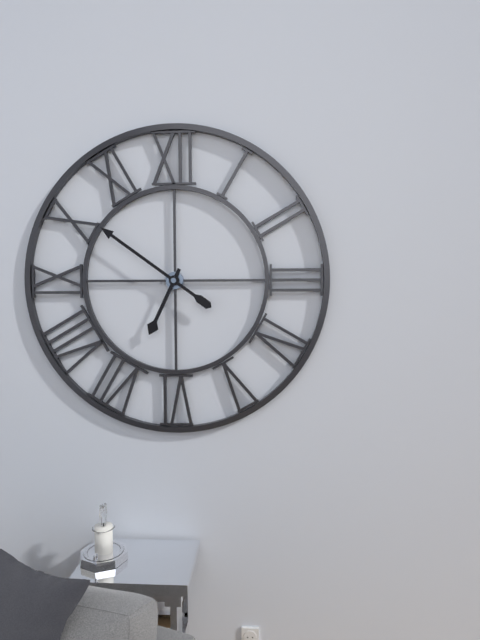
6:51
